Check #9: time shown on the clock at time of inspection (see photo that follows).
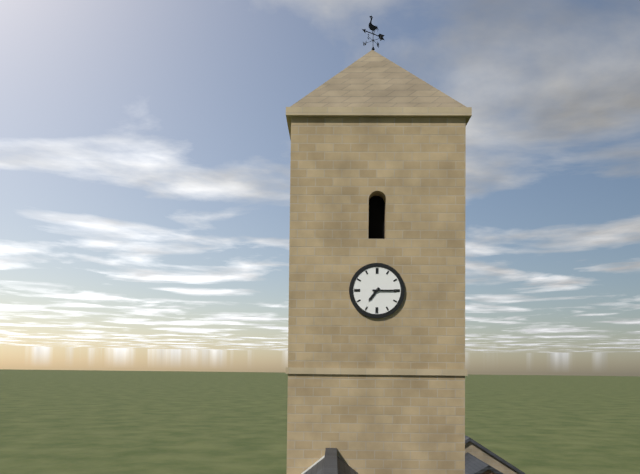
7:15
